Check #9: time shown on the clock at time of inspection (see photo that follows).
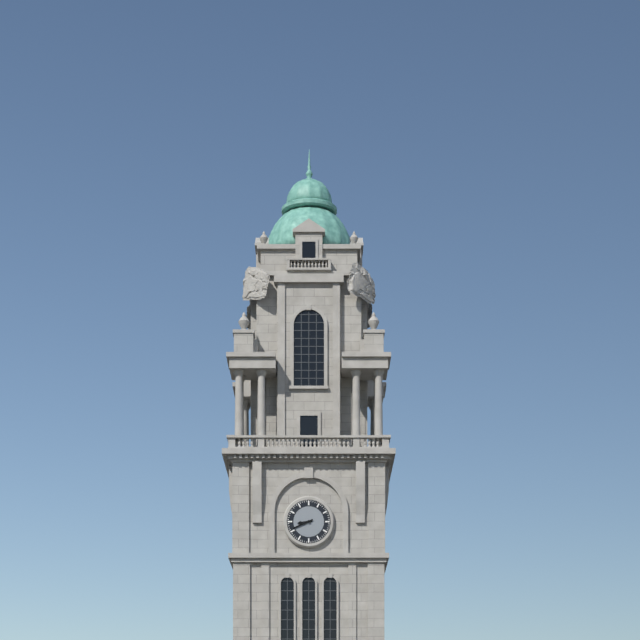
8:41
